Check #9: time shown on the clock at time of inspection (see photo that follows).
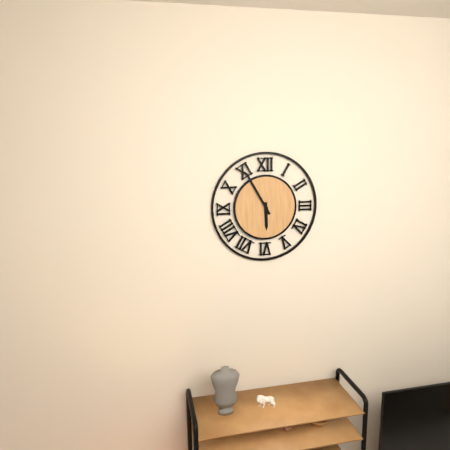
5:55
